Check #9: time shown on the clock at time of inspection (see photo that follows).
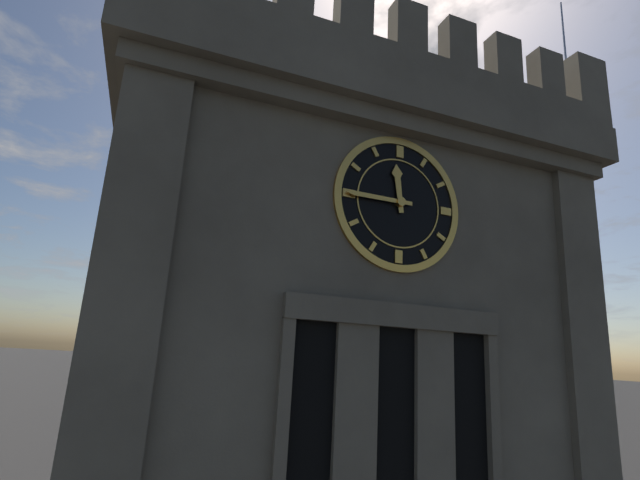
11:45
